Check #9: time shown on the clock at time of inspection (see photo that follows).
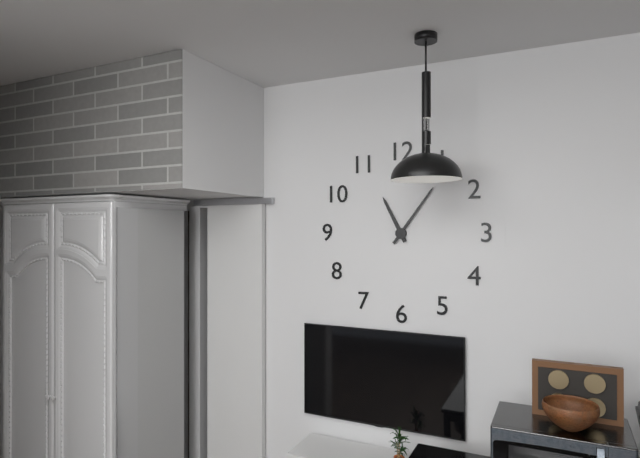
11:06
